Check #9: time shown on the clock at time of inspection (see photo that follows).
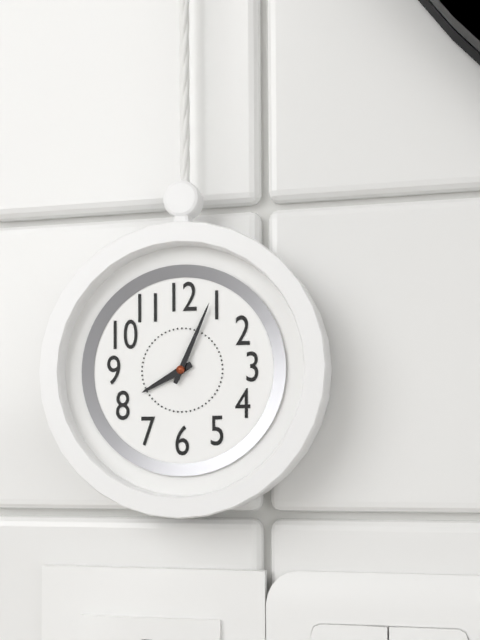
8:04
